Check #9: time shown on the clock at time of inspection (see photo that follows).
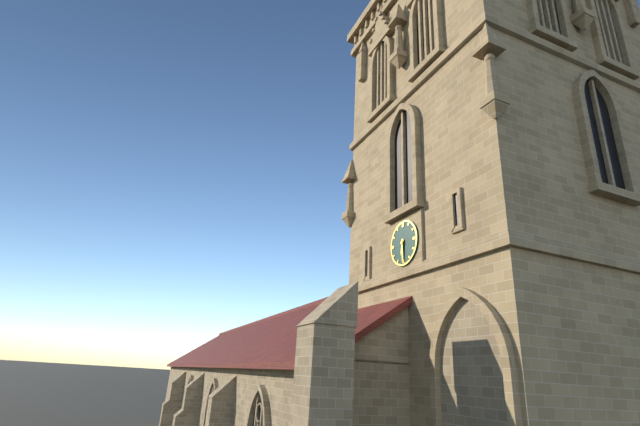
6:30
